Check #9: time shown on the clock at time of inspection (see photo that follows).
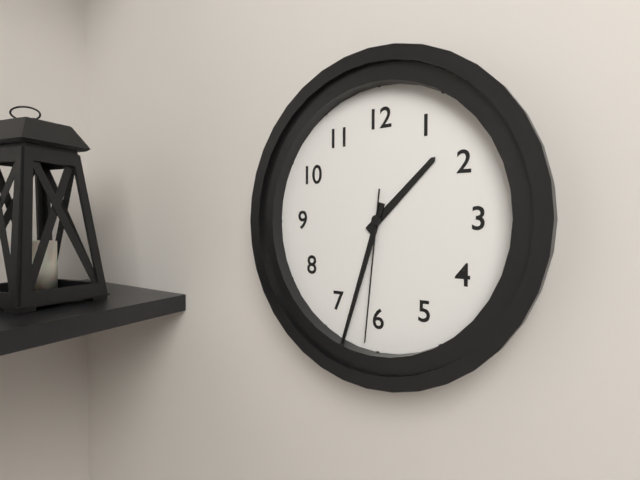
1:33:31
